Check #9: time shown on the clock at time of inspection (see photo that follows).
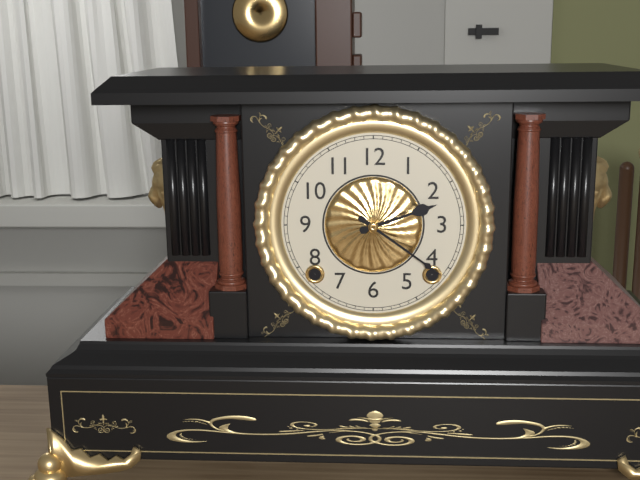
2:21
